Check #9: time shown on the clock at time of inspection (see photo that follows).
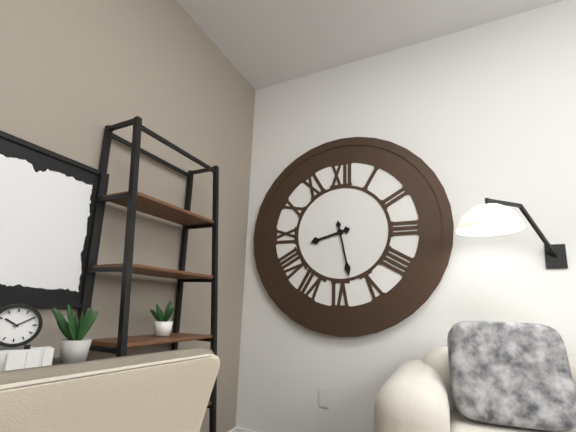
8:28
